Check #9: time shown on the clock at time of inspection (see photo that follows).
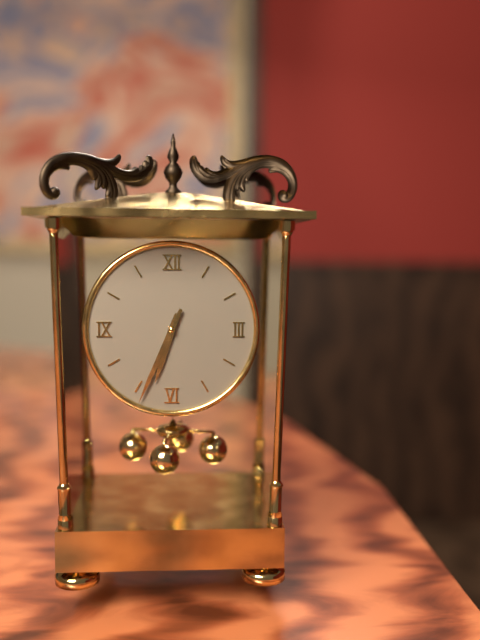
6:34
